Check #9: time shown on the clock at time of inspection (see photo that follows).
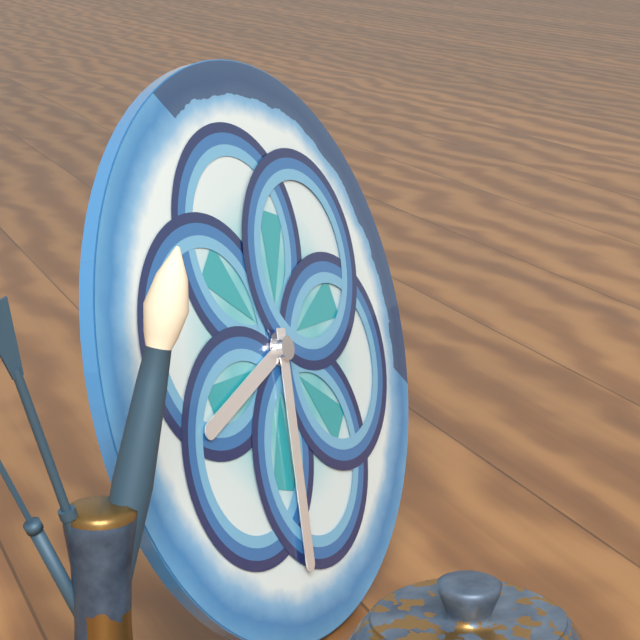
8:32
